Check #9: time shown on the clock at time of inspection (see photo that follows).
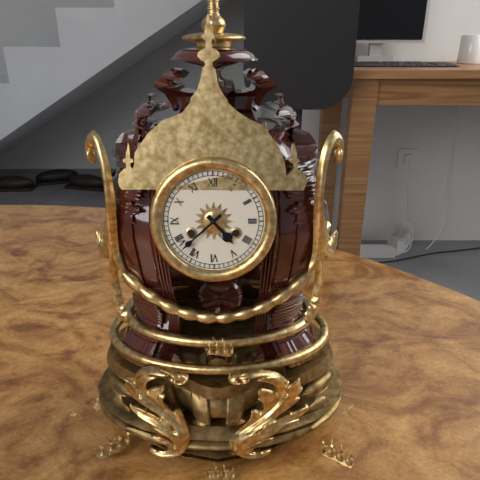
4:38
